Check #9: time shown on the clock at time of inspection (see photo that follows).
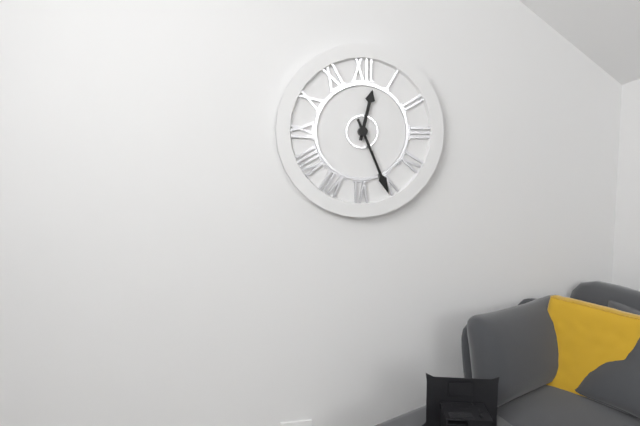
12:26
